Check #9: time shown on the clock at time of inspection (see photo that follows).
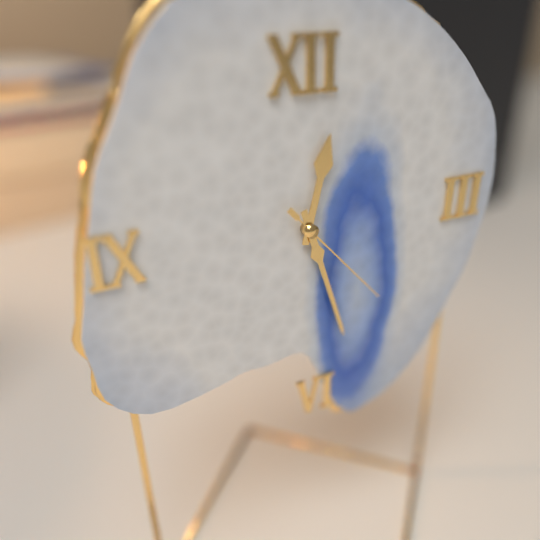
12:27:23
